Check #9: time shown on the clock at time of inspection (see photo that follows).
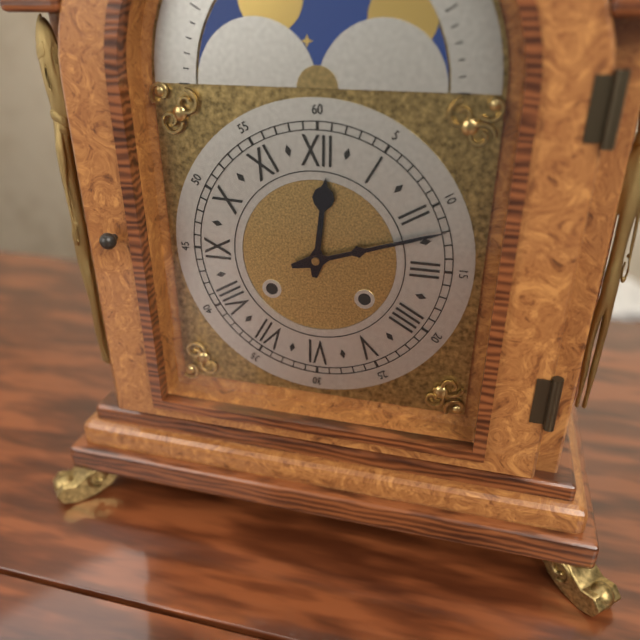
12:12
